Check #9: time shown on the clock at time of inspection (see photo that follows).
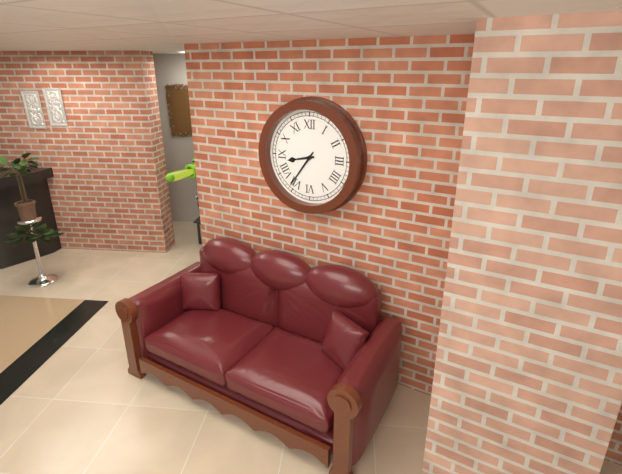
8:36
